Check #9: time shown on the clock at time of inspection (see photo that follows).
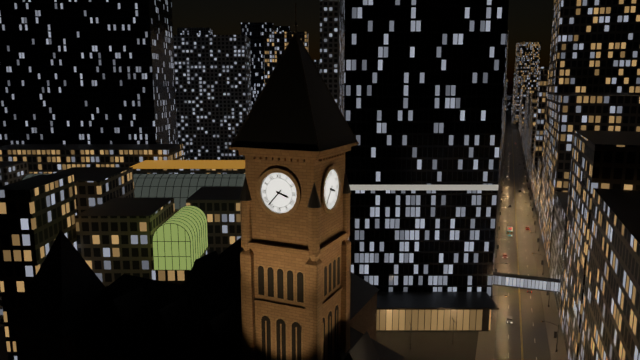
3:37
